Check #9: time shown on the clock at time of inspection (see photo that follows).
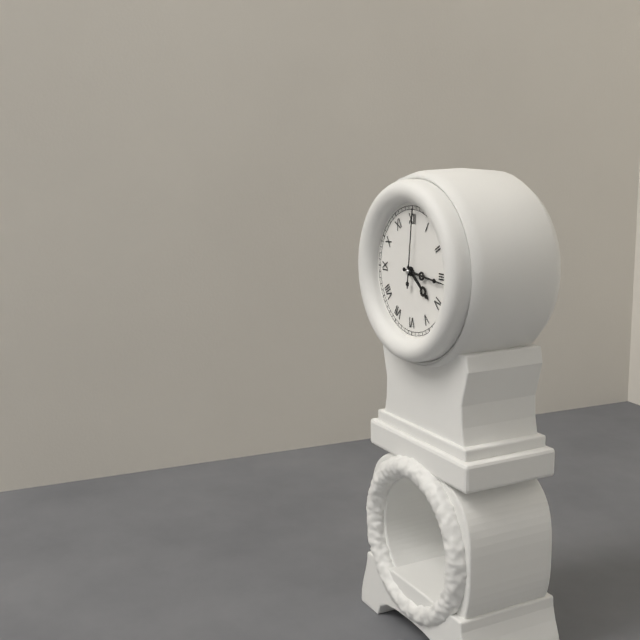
4:16:01
